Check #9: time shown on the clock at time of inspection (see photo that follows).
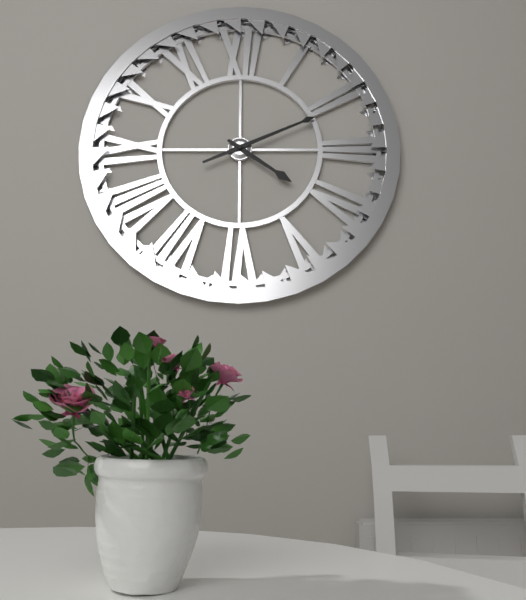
4:11
